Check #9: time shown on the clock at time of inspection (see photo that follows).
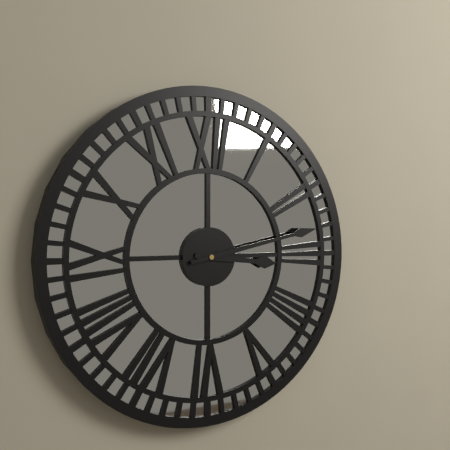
3:13
